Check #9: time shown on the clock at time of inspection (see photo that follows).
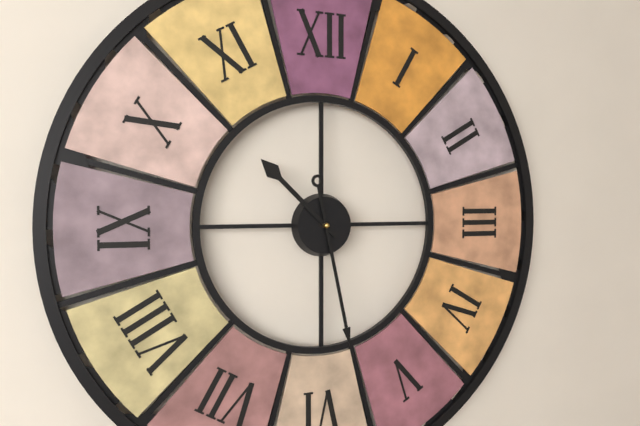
10:28
